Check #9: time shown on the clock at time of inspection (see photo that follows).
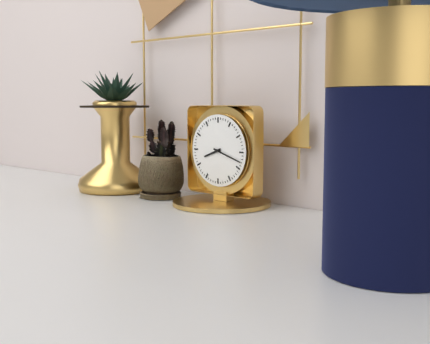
8:18
